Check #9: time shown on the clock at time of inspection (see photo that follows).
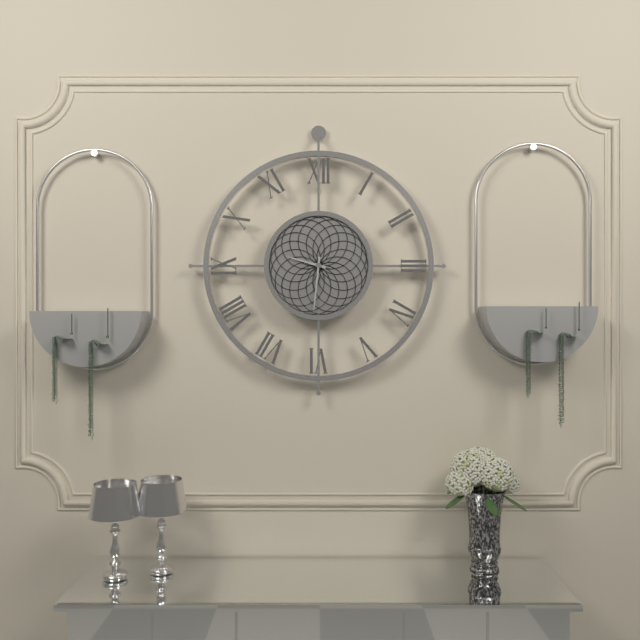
9:31
